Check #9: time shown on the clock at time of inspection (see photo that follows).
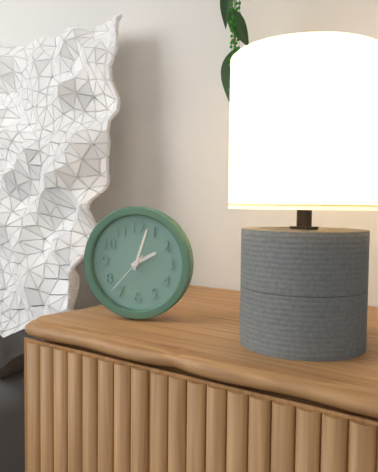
2:03
